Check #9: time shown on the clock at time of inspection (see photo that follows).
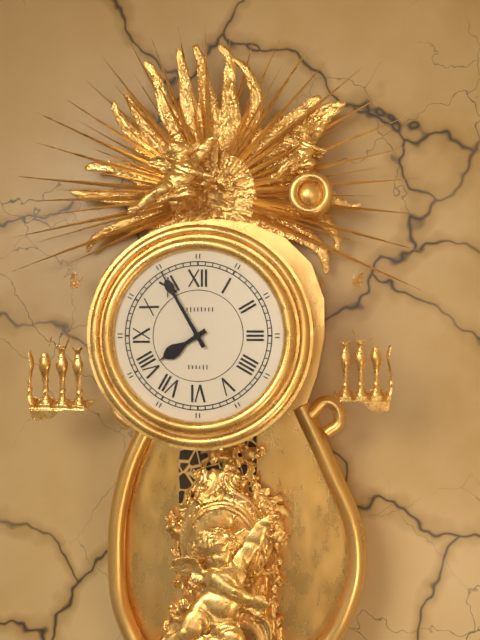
7:55
